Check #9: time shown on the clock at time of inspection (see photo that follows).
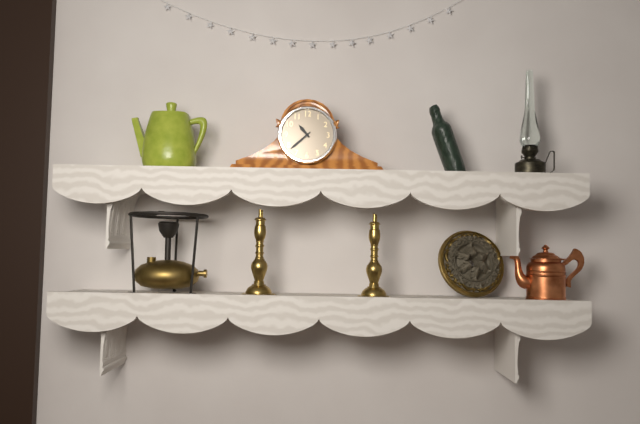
10:38
